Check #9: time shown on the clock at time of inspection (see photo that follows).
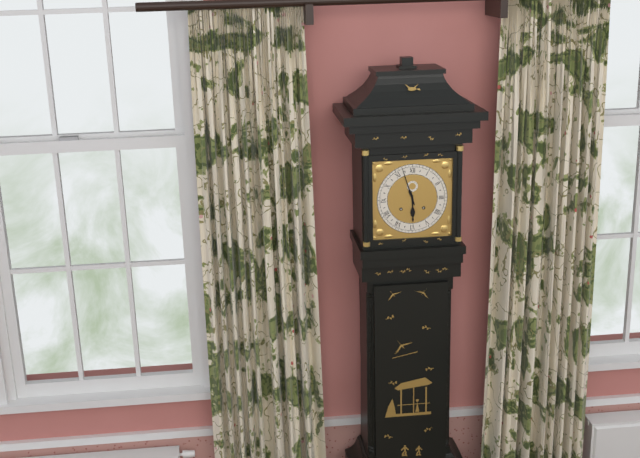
5:57
